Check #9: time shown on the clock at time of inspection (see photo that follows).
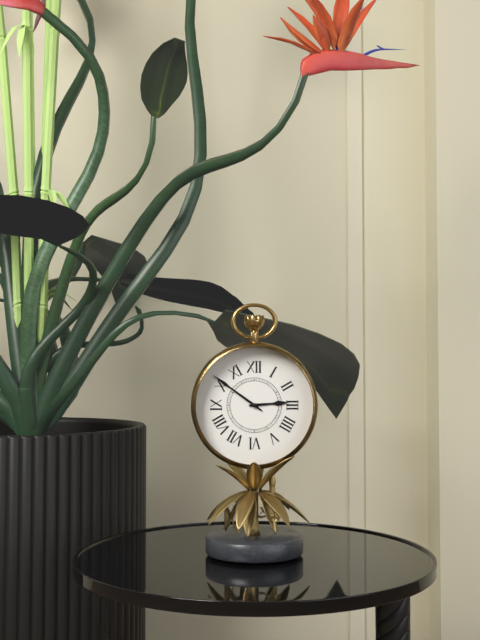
2:51
